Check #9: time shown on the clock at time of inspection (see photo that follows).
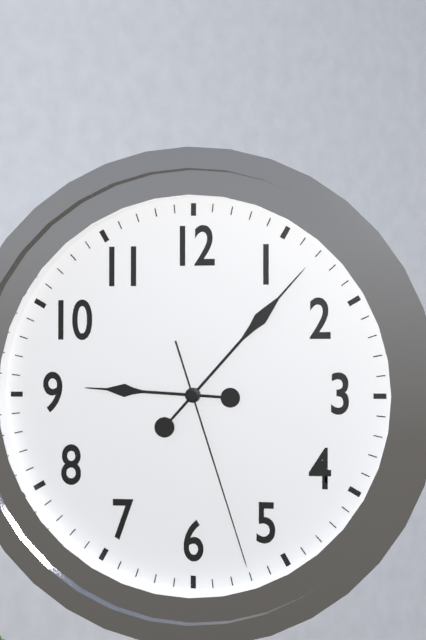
9:07:27
